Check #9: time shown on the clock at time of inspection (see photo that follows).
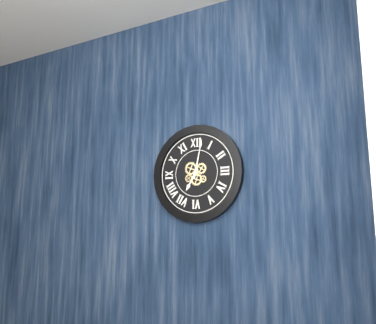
7:02
